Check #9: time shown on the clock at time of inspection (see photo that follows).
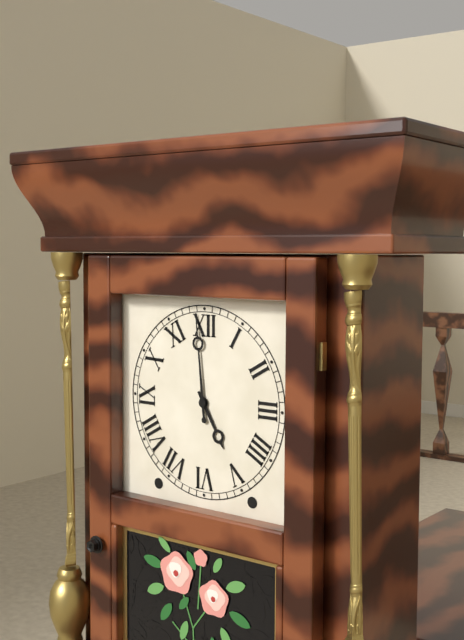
4:59
